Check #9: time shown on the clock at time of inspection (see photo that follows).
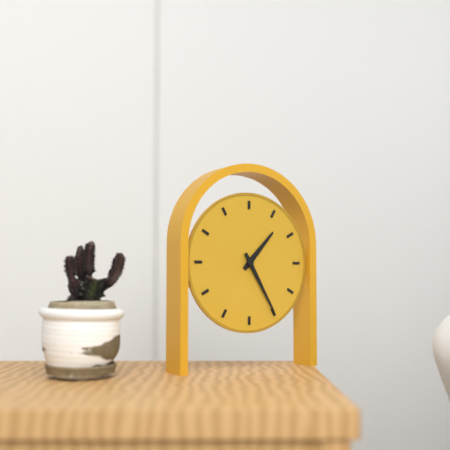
1:25
